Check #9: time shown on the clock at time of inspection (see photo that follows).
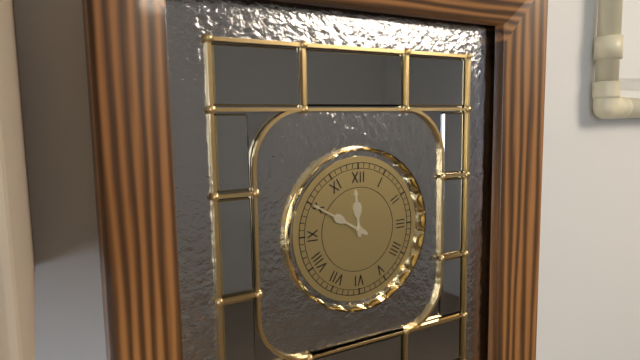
11:50
